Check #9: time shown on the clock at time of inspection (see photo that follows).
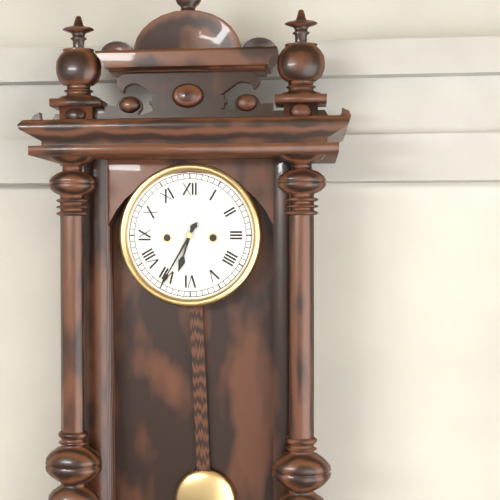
6:35
